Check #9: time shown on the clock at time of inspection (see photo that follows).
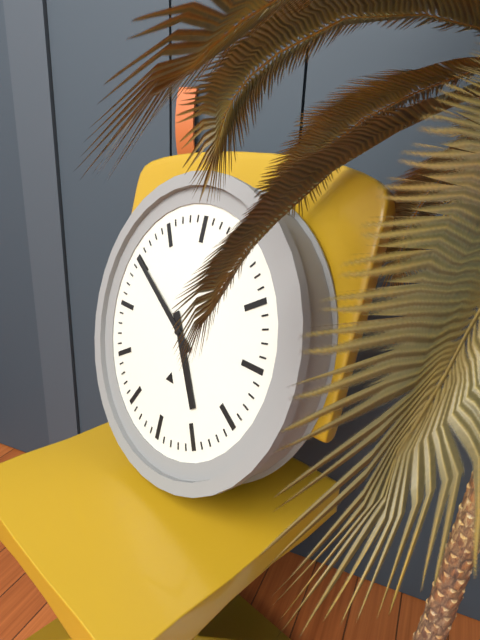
4:50
